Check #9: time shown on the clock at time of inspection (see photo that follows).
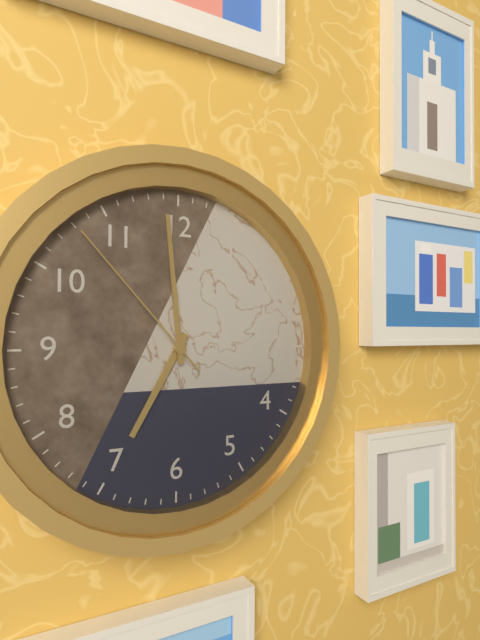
6:59:53
